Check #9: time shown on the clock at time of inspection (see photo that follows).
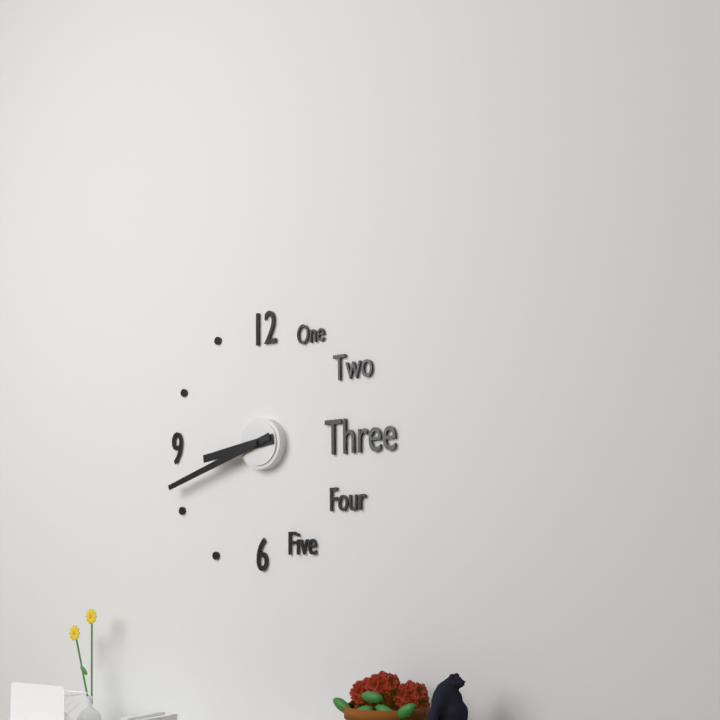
8:42
